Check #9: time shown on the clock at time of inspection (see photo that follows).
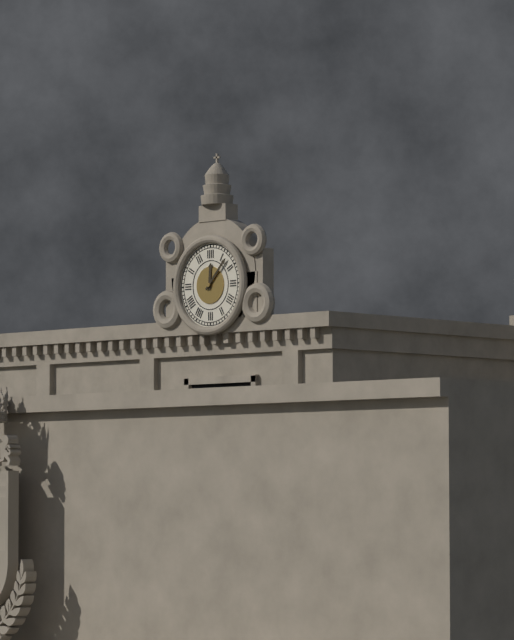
12:07
